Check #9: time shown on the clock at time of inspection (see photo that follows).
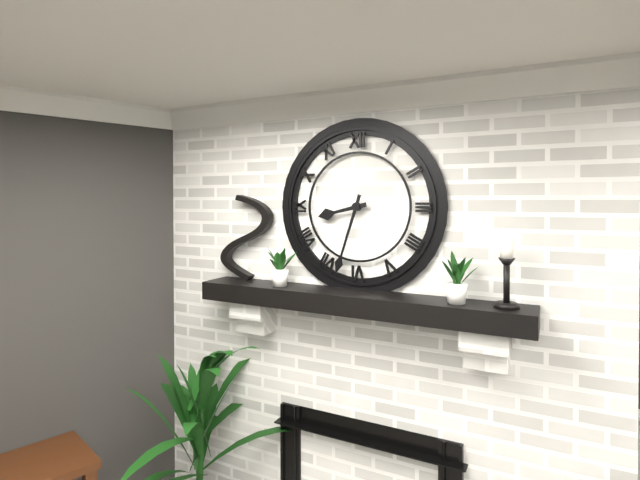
8:33
